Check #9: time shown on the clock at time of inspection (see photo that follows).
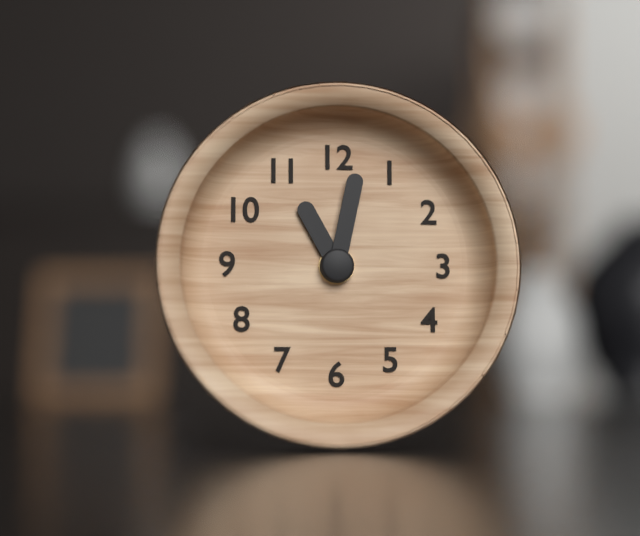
11:02
